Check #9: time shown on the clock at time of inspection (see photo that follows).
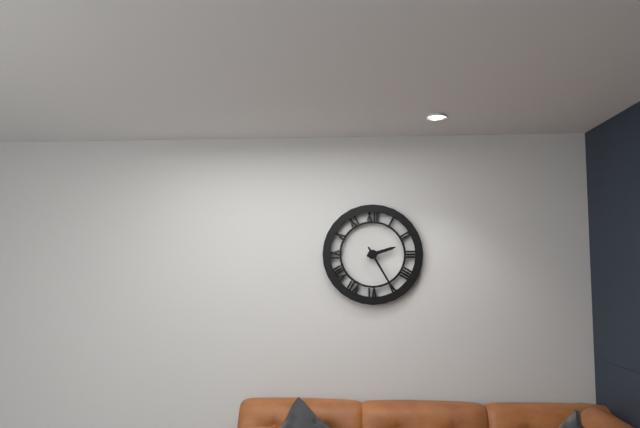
2:25
